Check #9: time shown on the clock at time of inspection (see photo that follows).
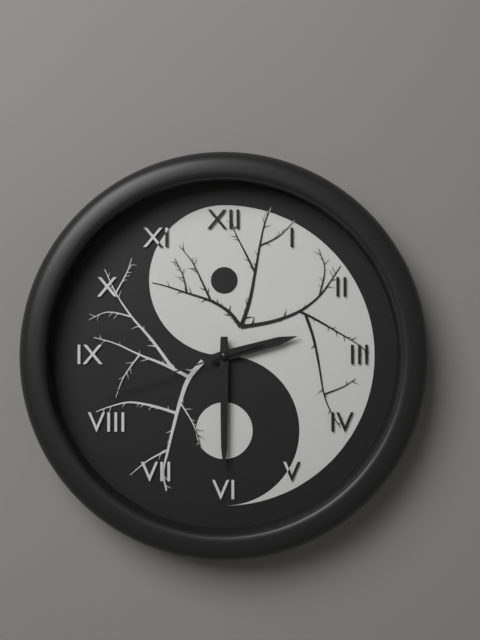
2:30:42
